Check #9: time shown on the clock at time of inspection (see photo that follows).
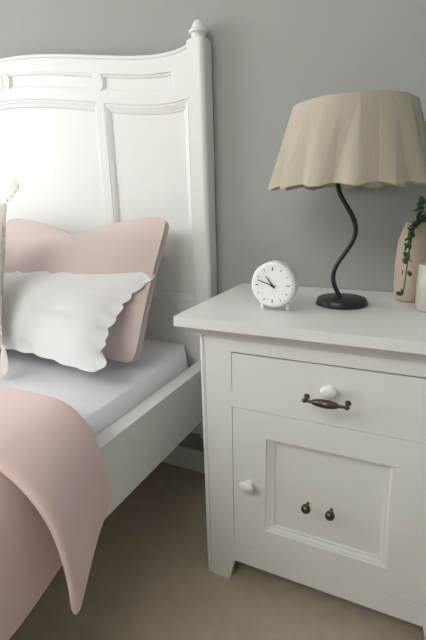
10:48
